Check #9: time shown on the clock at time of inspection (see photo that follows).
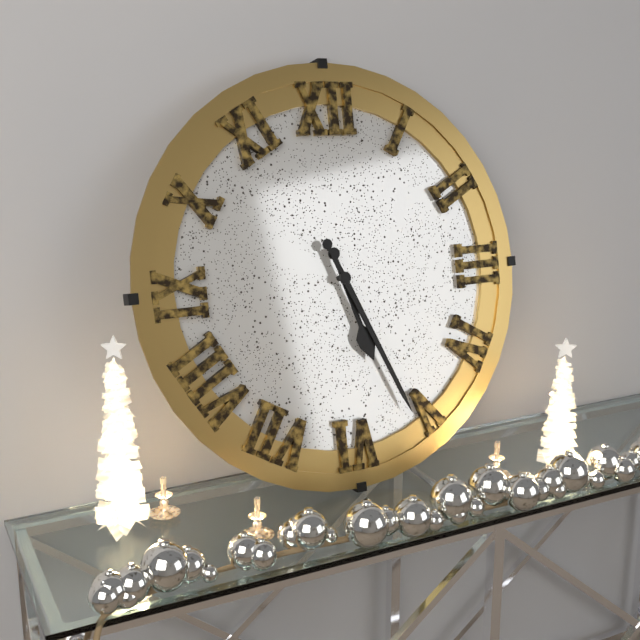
5:26
